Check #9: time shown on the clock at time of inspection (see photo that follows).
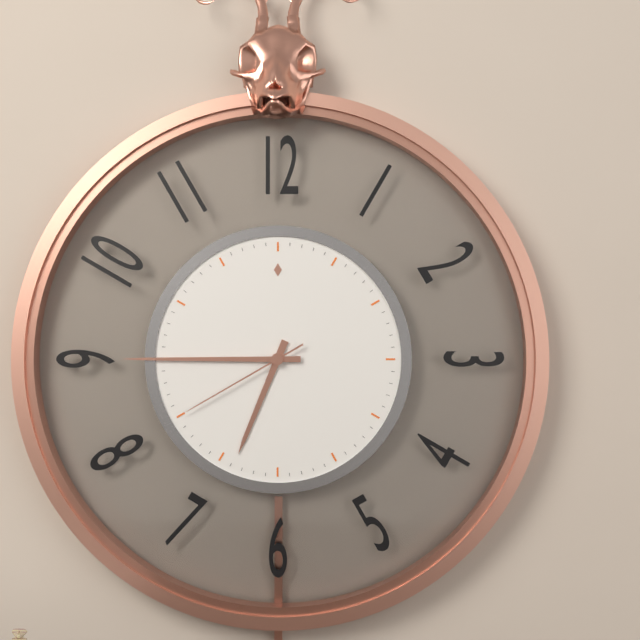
6:45:40
